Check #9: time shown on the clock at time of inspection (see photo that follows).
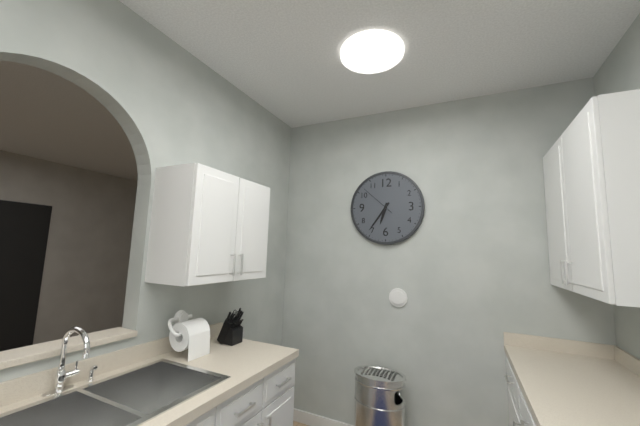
6:36
